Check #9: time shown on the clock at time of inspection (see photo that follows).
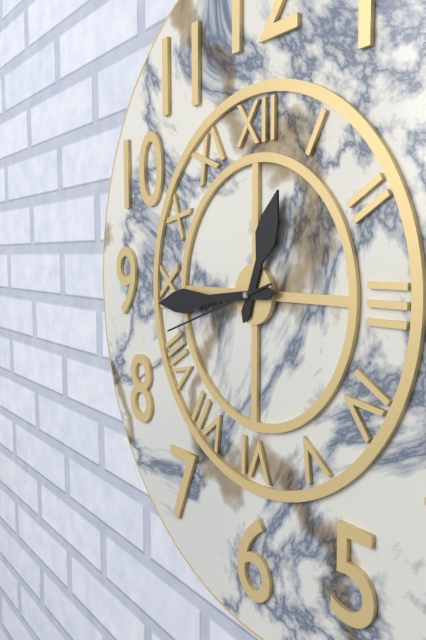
12:44:42
